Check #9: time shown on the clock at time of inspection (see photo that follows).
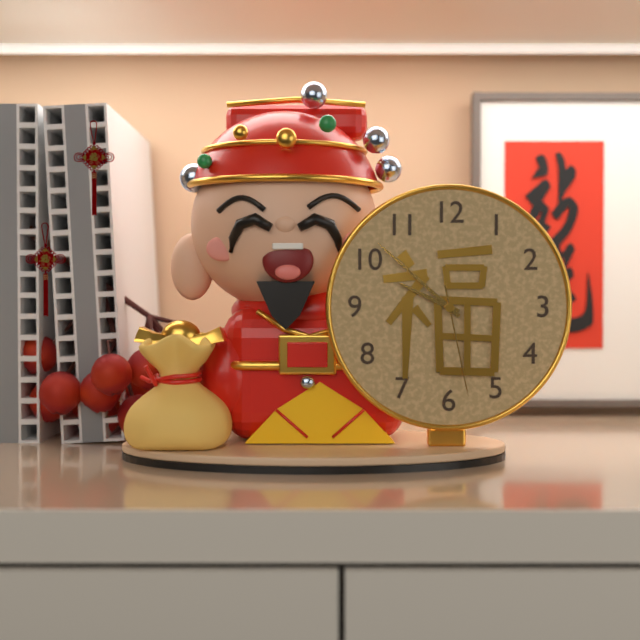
9:52:28
